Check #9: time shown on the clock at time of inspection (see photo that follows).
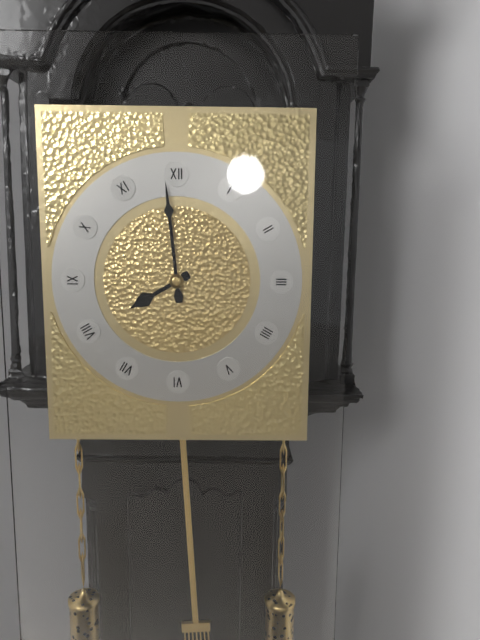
7:59
